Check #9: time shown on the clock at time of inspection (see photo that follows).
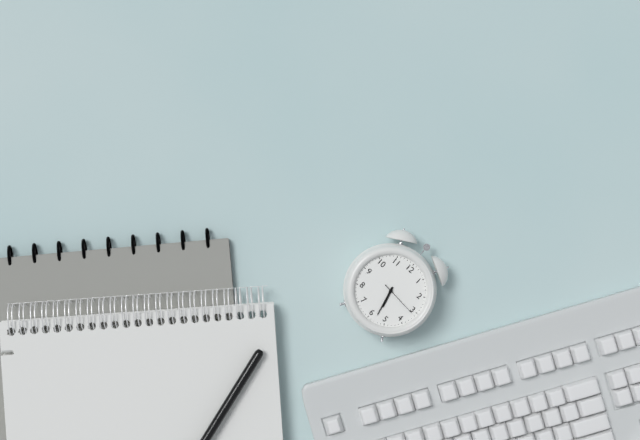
5:28
